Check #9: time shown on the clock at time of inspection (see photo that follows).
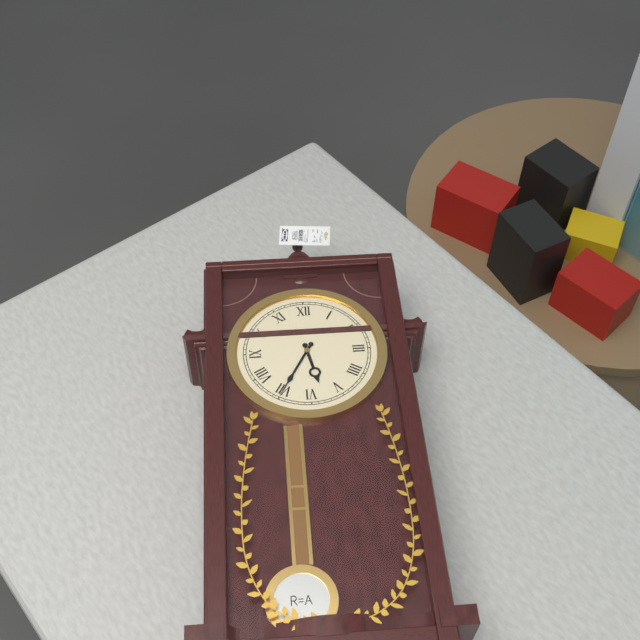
5:35
